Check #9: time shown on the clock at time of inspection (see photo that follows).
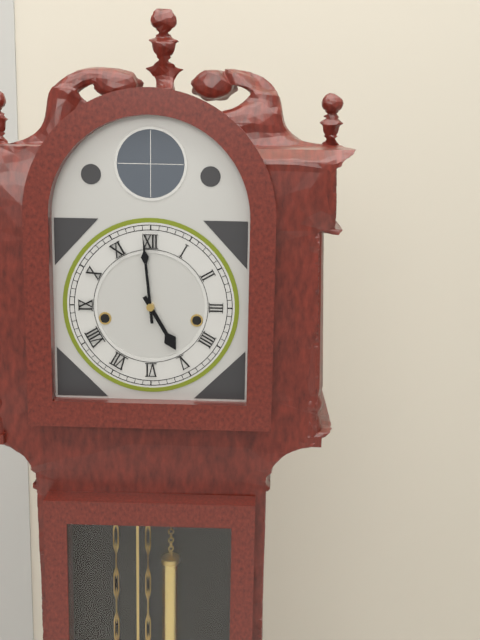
4:59
